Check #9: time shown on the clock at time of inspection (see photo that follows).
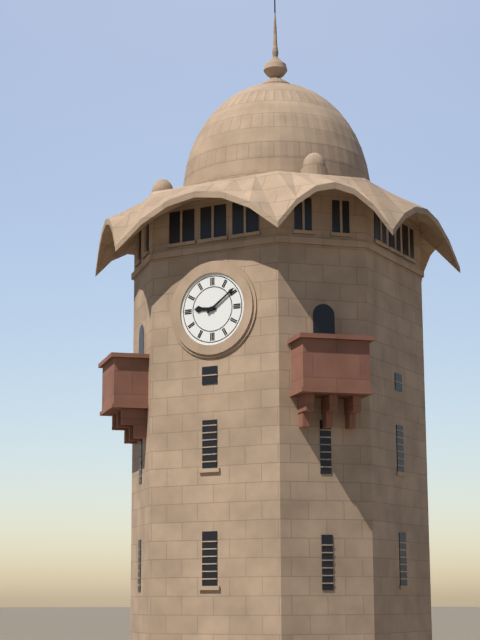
9:09
